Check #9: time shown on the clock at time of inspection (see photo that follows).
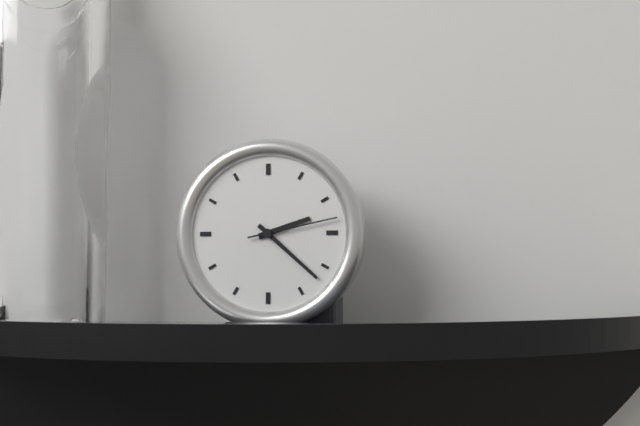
2:22:13
